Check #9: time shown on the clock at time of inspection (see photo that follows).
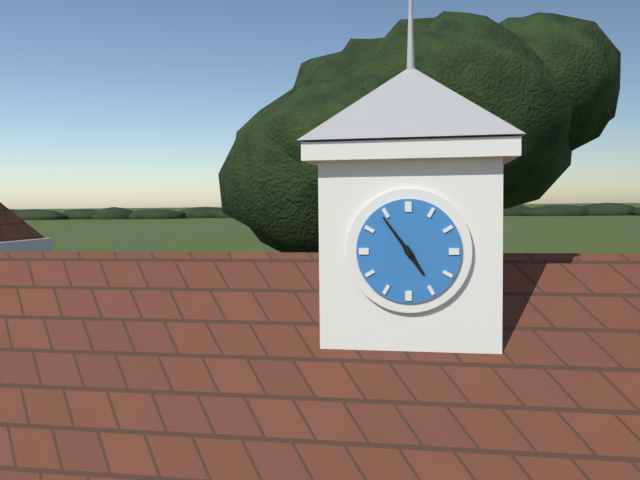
4:54
